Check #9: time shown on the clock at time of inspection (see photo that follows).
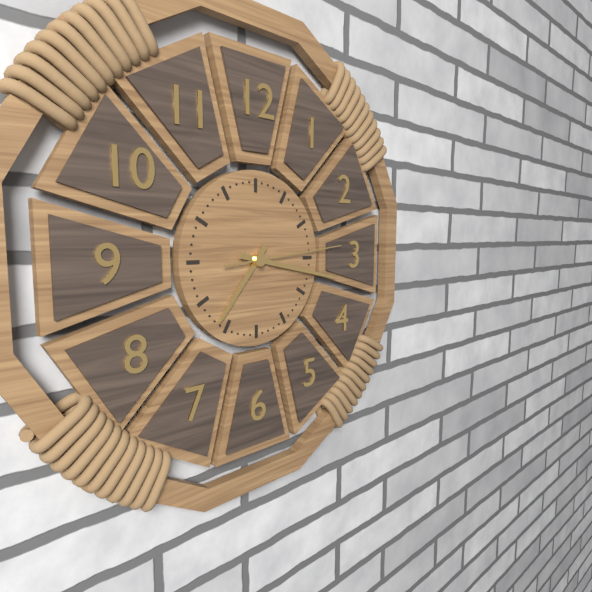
7:17:14
